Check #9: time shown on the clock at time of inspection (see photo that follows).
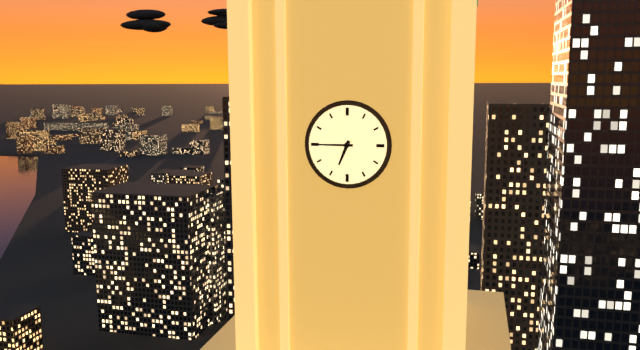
6:45
